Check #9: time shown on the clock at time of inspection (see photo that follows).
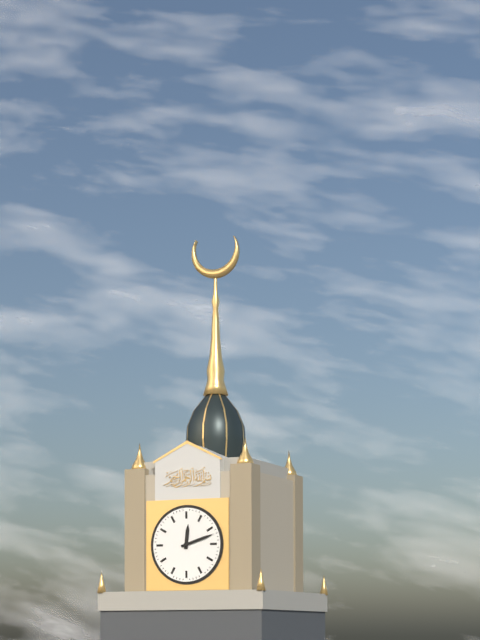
12:12
